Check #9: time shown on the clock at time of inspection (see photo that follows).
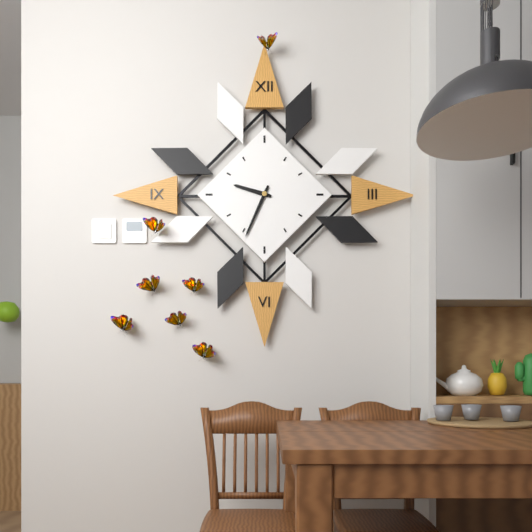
9:34
